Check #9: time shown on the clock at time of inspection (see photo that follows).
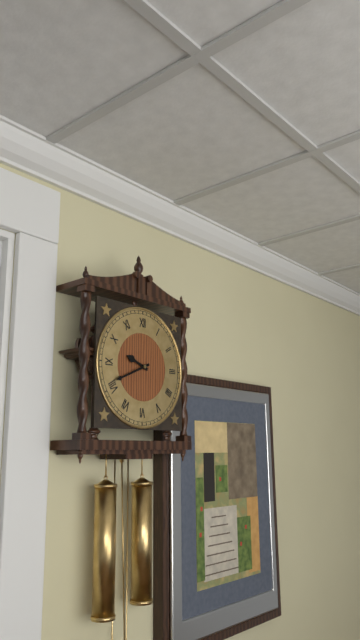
9:41
